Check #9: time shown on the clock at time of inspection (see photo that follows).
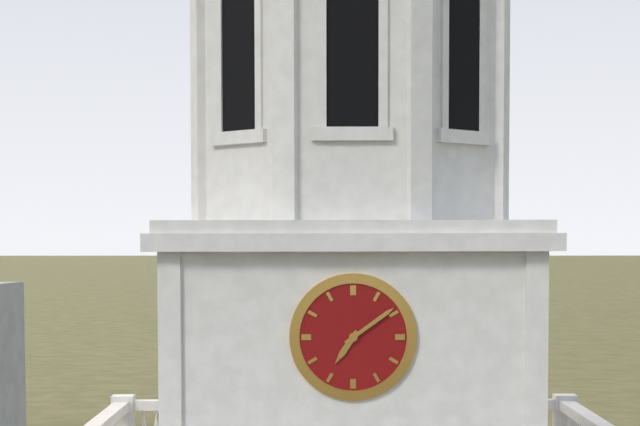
7:09
